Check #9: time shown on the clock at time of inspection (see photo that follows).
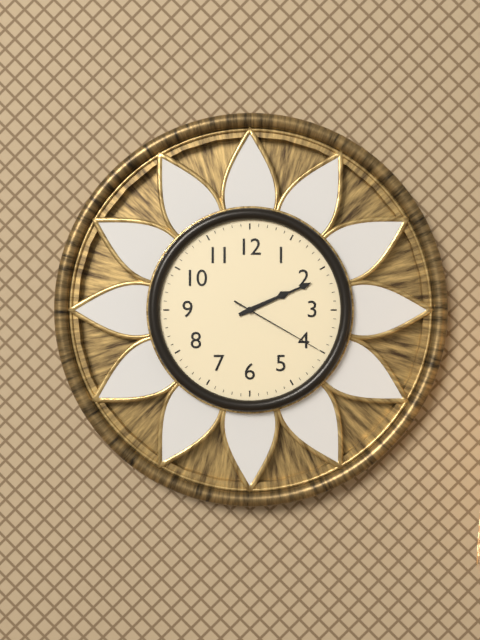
2:11:20
